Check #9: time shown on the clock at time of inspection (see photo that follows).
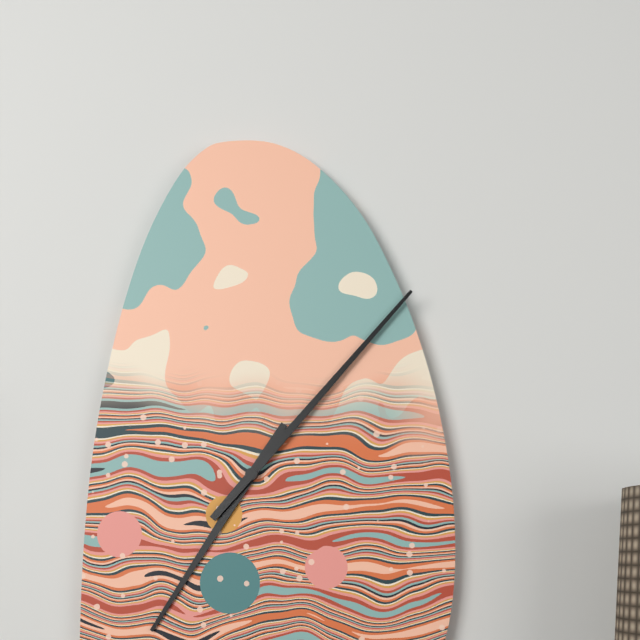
7:07
